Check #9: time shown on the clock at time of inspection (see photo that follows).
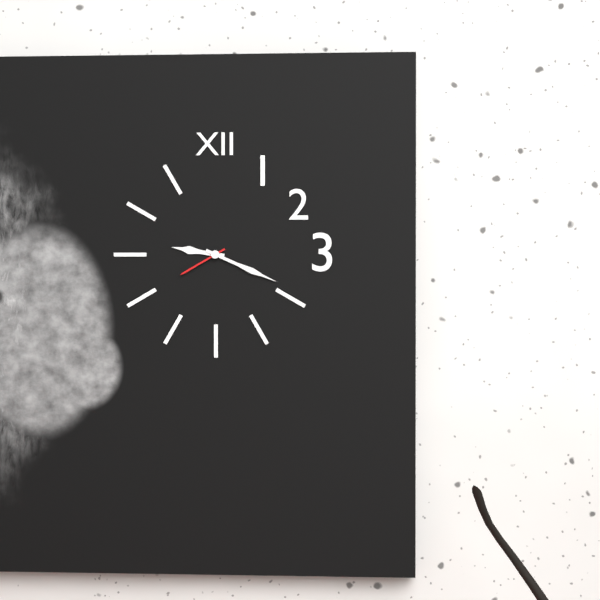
9:19:40
